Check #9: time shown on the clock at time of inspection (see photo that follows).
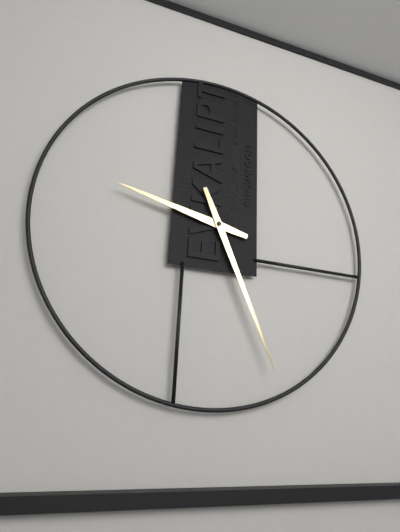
9:26
